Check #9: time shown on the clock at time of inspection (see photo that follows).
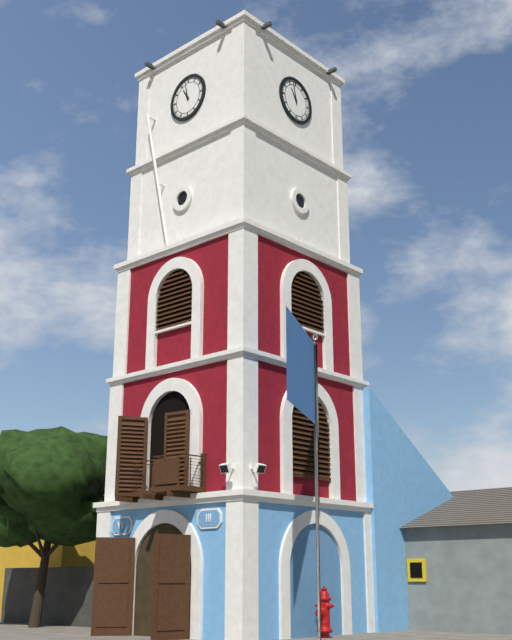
10:58
